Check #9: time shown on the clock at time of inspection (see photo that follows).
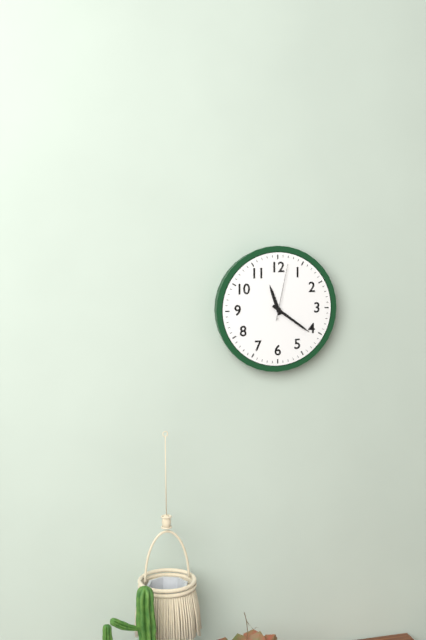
11:21:02
